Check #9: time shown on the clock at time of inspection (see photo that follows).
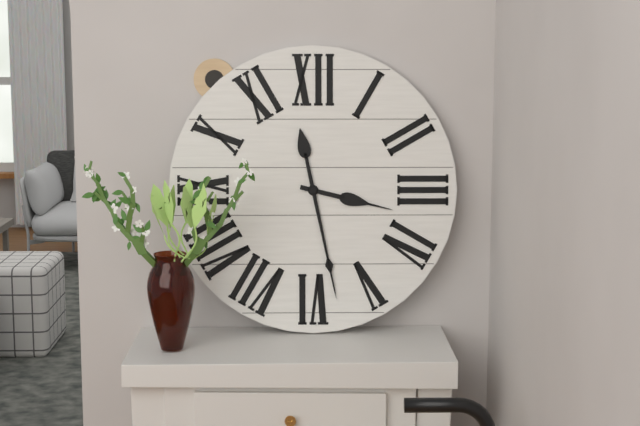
3:28
